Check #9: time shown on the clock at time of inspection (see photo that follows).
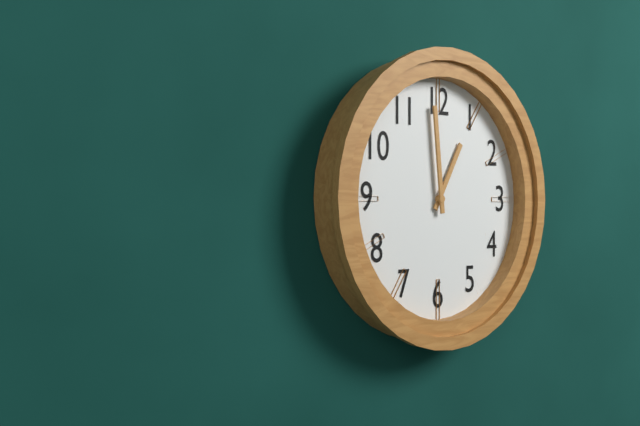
12:59
